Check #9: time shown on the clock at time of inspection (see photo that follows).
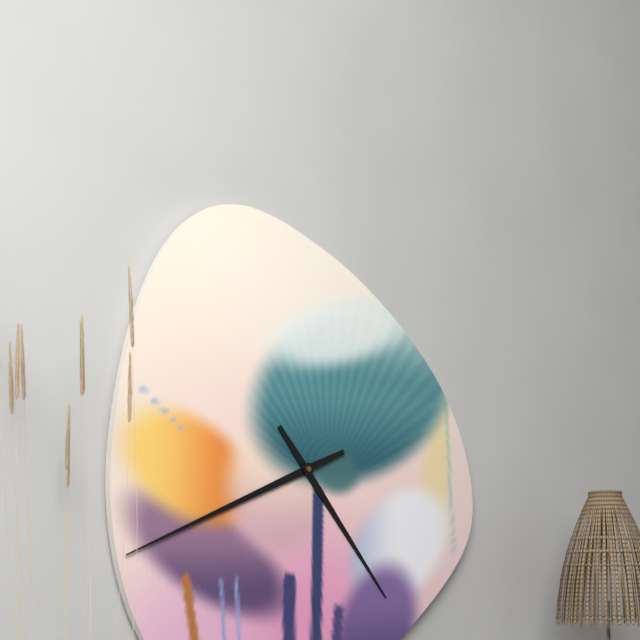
4:41
